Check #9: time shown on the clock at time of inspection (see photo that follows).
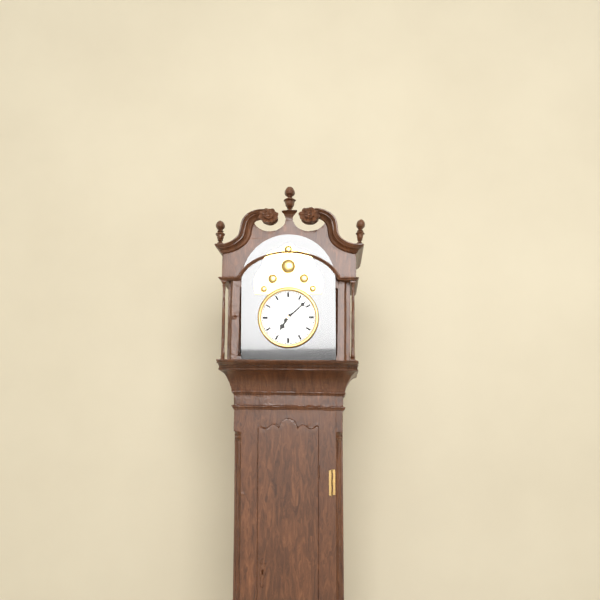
7:08
